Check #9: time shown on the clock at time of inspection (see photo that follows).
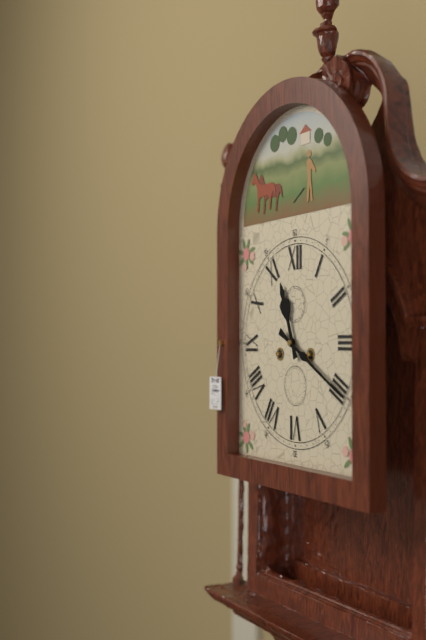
11:20
